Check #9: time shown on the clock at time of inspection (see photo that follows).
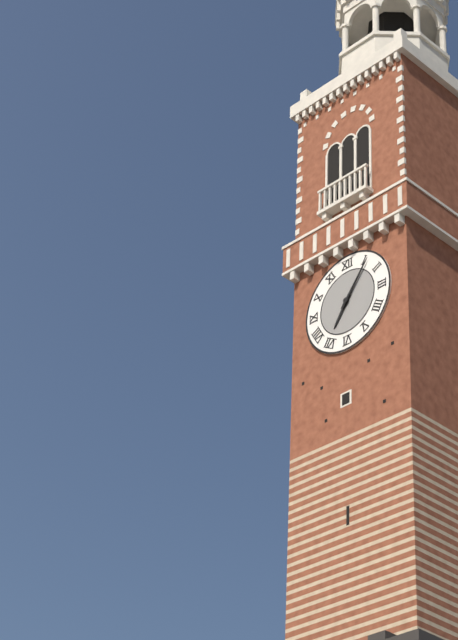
7:06
